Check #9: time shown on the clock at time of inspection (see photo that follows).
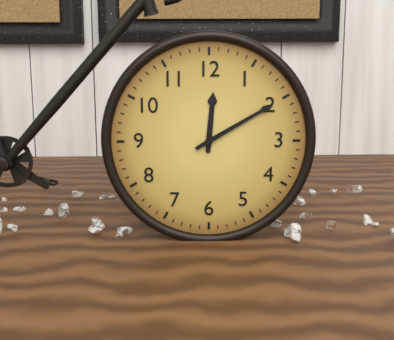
12:10
